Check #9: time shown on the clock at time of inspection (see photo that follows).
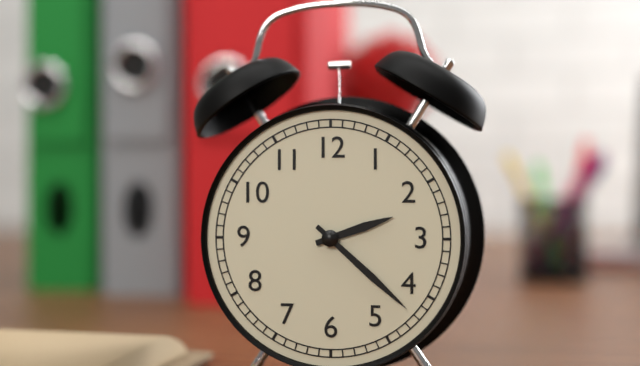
2:22
